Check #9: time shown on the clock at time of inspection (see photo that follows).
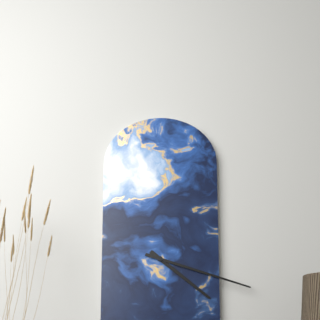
4:18
